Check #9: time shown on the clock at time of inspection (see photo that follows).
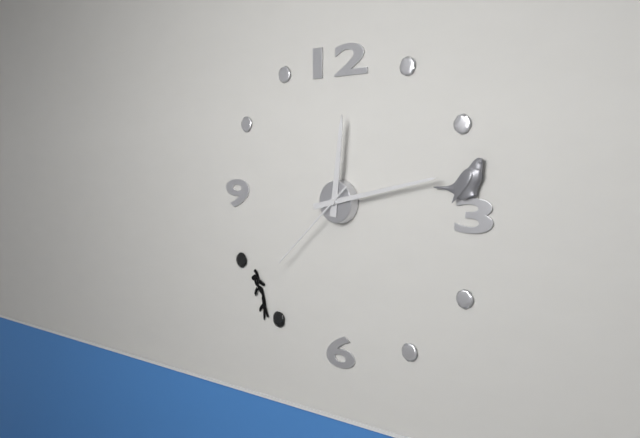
12:13:38
